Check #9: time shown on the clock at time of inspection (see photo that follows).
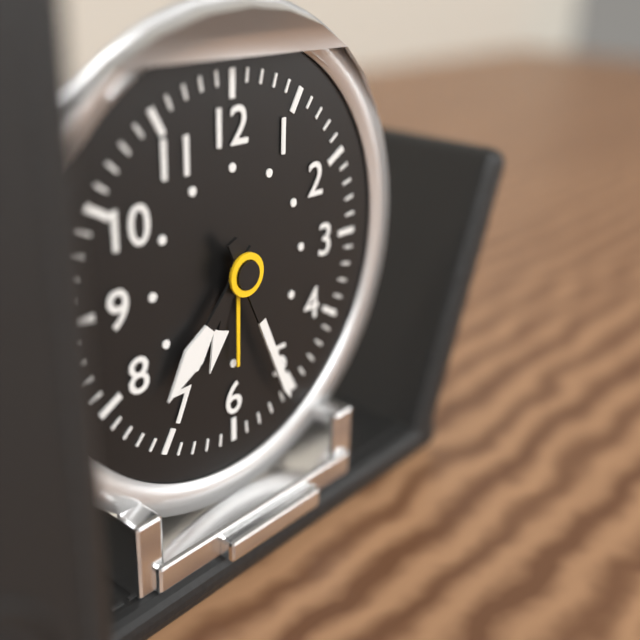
7:26
